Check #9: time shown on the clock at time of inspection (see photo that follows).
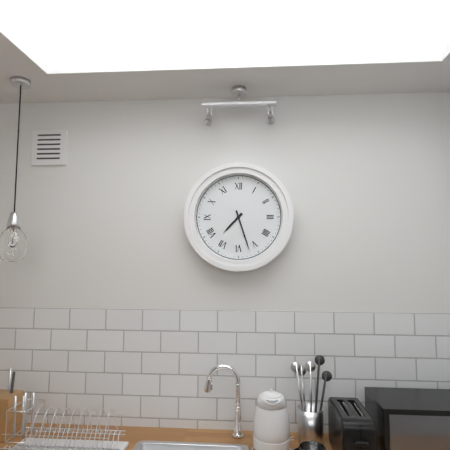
7:27
